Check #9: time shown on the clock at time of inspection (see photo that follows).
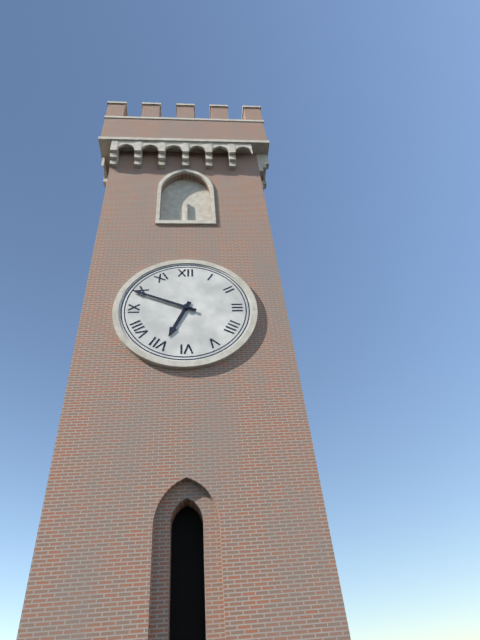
6:49
